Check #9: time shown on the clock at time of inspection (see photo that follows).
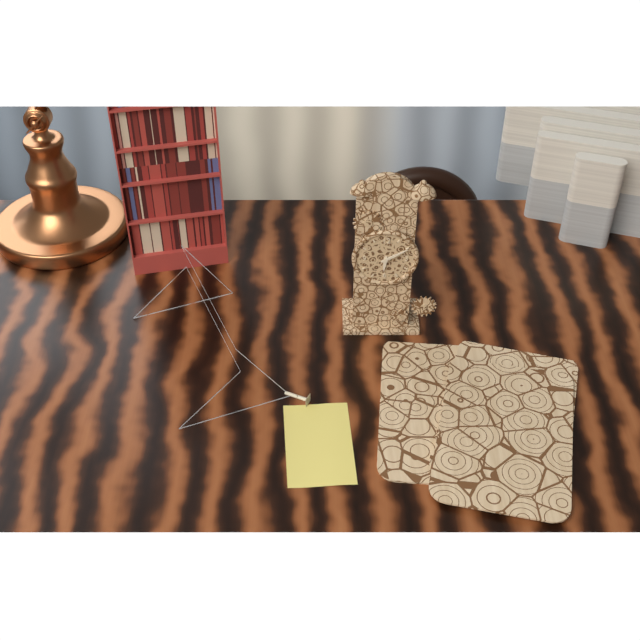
6:10
